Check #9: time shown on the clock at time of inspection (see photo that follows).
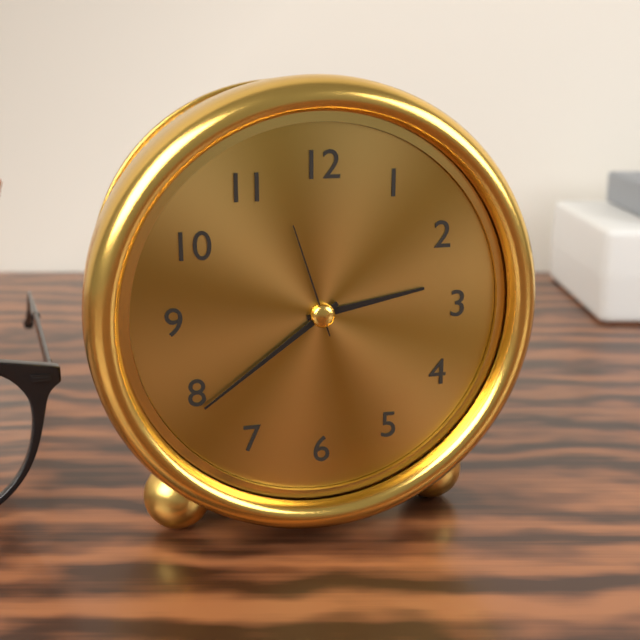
2:39:57
